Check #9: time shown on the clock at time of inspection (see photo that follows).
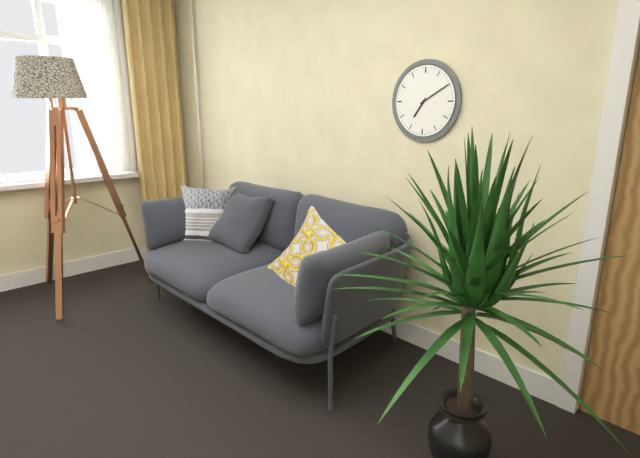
7:10
